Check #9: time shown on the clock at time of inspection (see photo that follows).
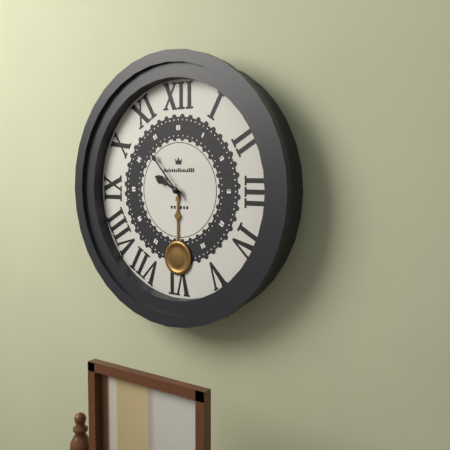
9:53
